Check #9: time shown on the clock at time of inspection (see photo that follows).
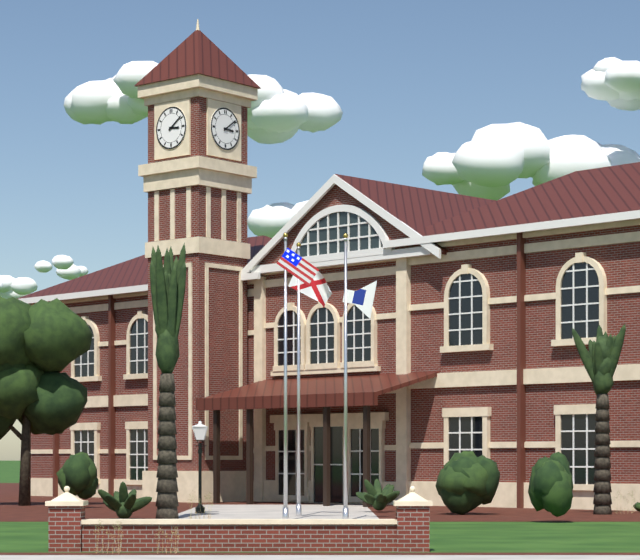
3:09
